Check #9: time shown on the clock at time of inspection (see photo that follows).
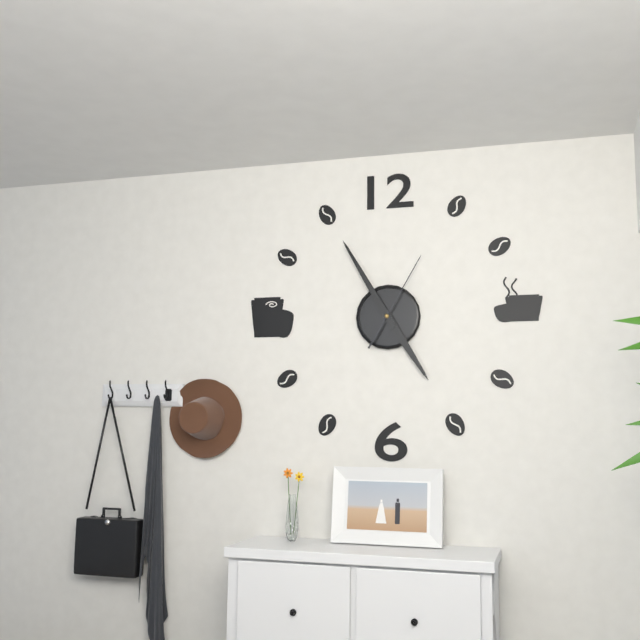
4:55:05
